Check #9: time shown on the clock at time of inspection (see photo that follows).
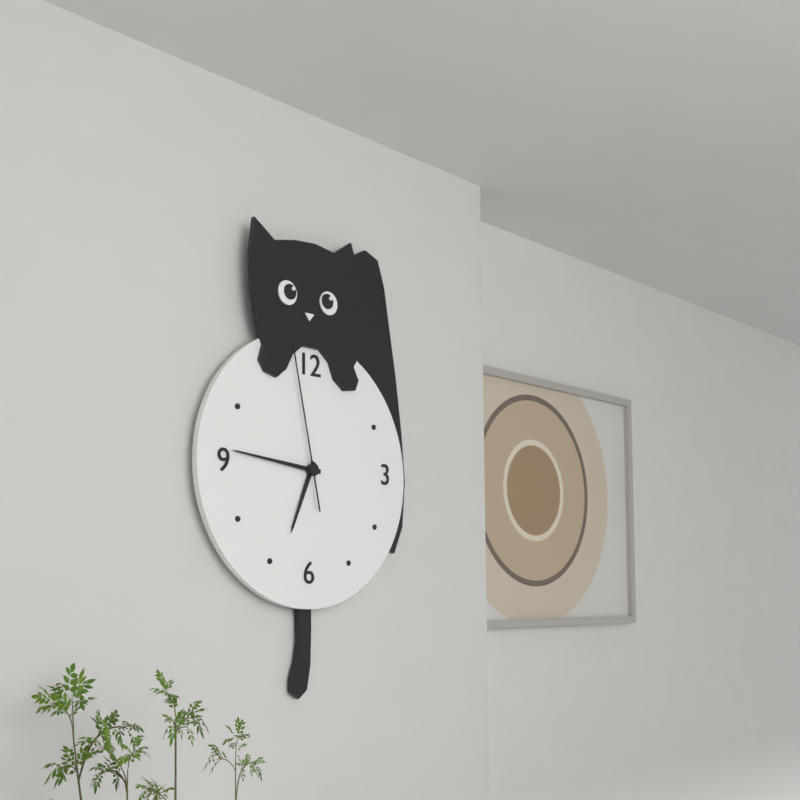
6:46:58
